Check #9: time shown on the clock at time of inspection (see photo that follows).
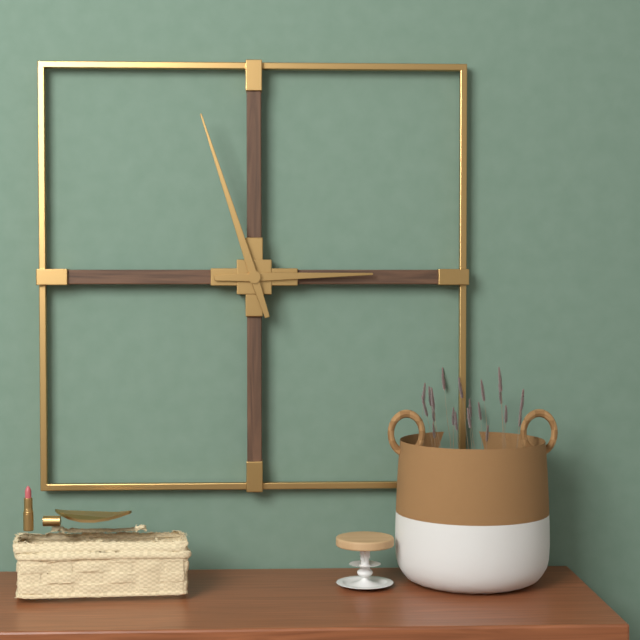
2:57
